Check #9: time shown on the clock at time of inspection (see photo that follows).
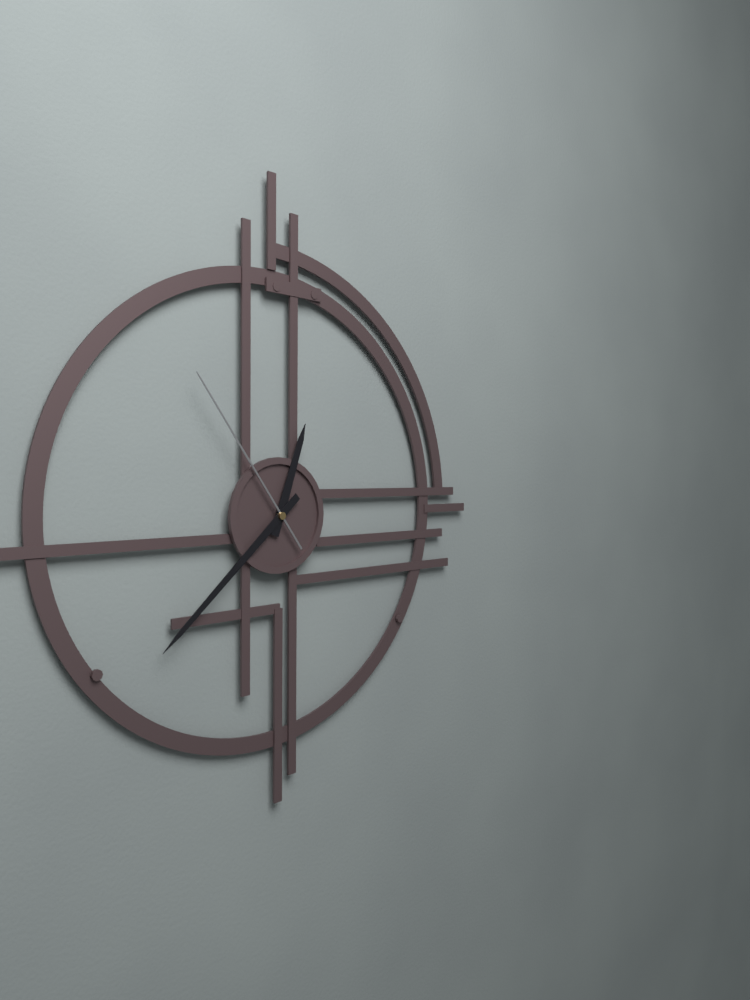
12:38:54
